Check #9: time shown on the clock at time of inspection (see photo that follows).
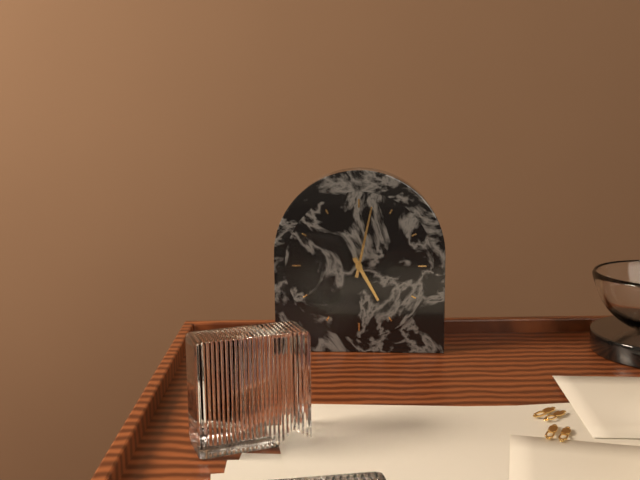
5:02
